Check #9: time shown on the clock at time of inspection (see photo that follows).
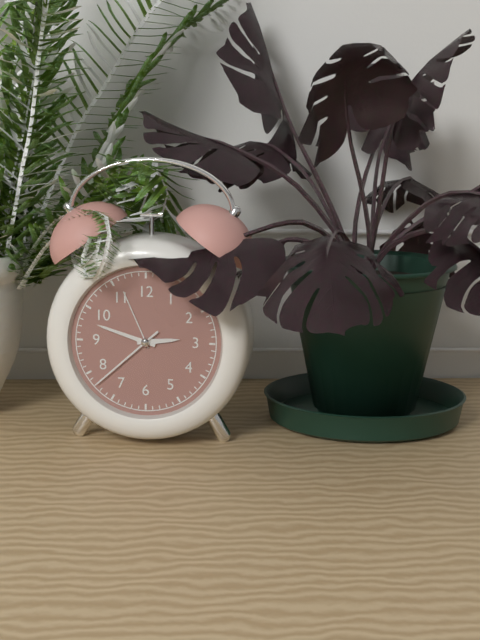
2:48:38
